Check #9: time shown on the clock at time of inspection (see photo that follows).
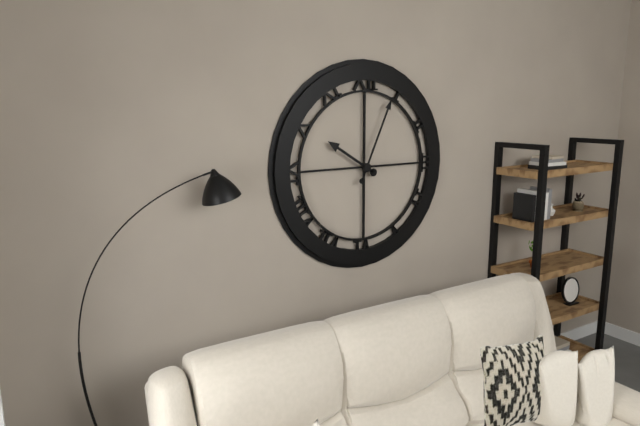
10:04
